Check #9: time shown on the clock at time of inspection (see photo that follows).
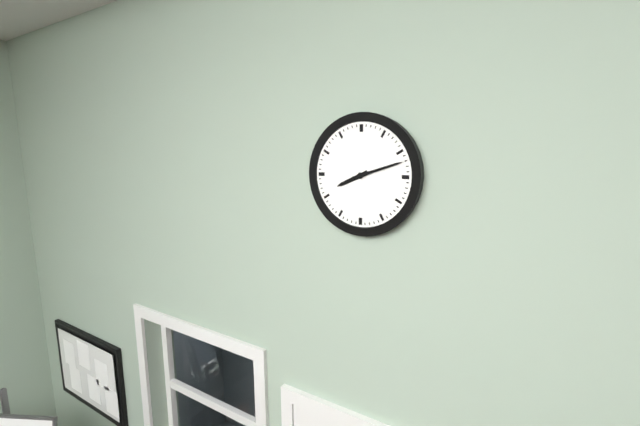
8:12
